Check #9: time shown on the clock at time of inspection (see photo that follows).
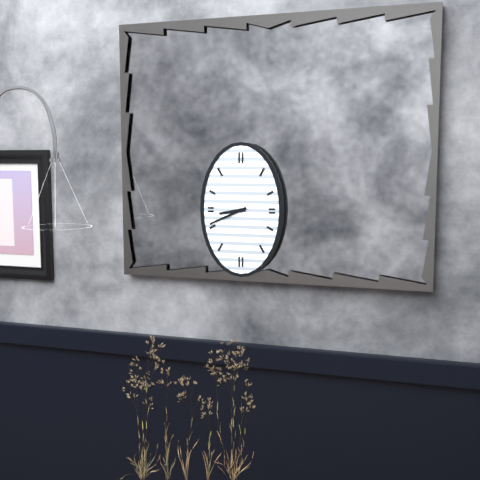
8:41
